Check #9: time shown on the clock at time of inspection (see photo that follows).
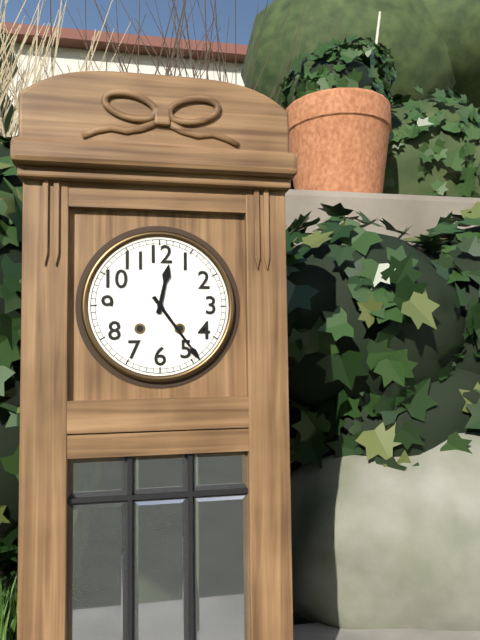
12:24
